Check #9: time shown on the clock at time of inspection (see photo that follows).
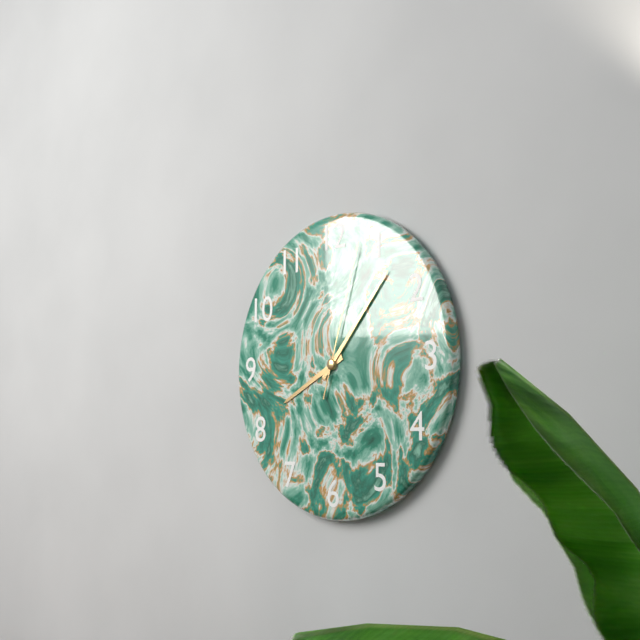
8:07:03
